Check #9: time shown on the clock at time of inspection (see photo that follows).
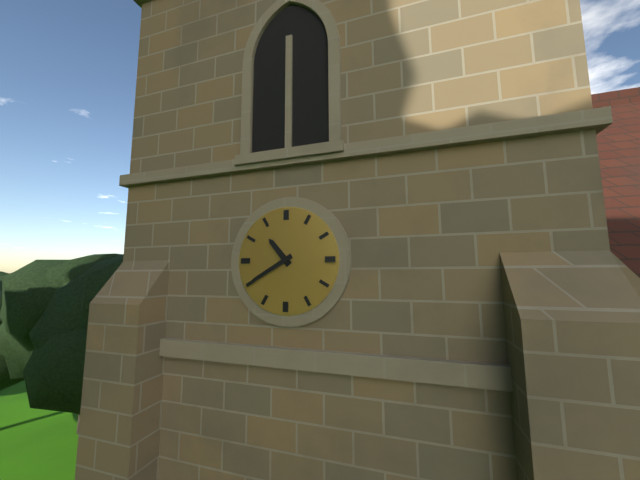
10:40
